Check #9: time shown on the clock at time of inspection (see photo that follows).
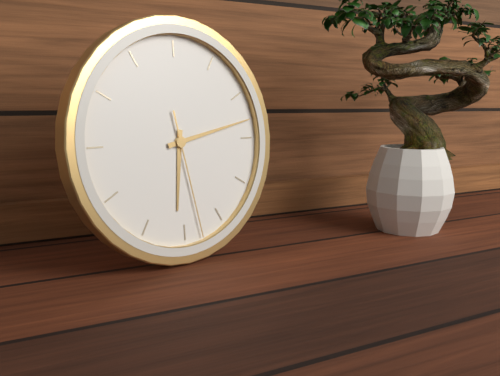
6:13:28
